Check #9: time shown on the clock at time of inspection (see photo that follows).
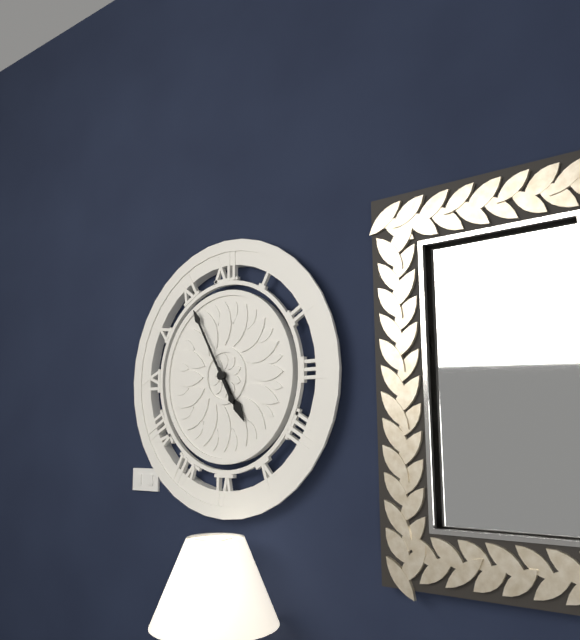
4:55
